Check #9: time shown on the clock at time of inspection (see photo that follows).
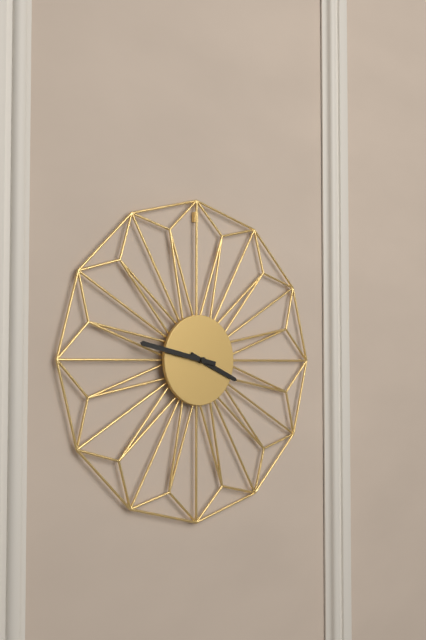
3:47
